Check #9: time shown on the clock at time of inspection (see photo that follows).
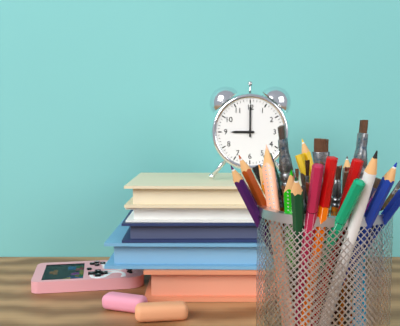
9:00
